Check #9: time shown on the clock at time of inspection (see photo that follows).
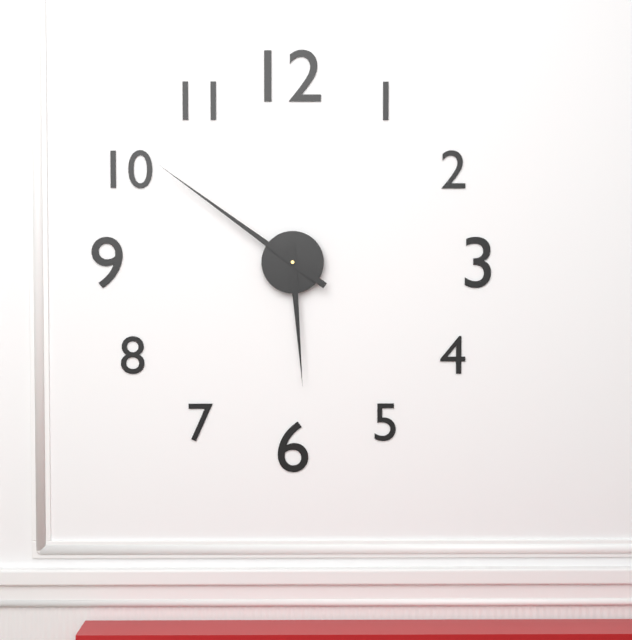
5:51
